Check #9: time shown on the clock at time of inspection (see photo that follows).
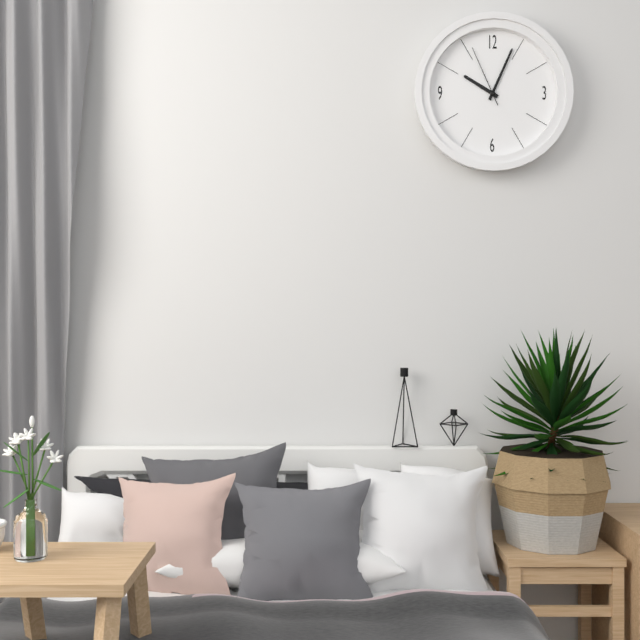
10:04:56
